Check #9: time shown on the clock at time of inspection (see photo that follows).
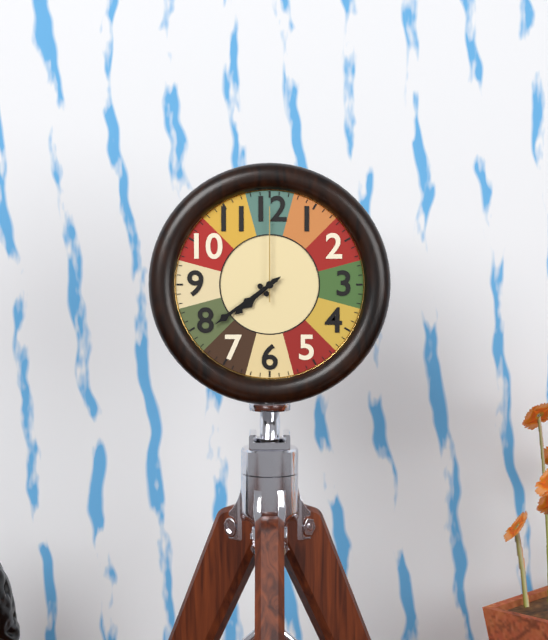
7:39:00
